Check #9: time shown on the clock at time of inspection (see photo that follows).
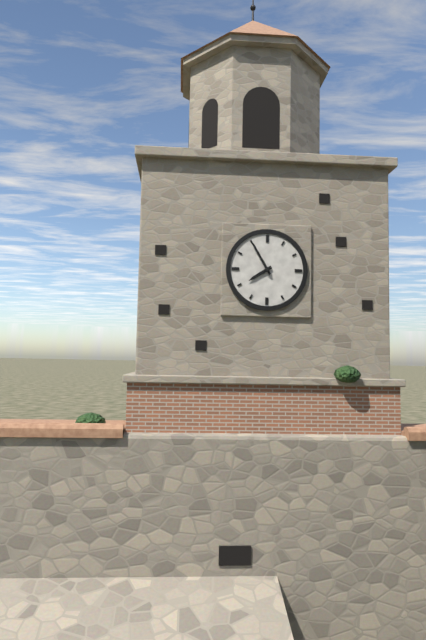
7:55
